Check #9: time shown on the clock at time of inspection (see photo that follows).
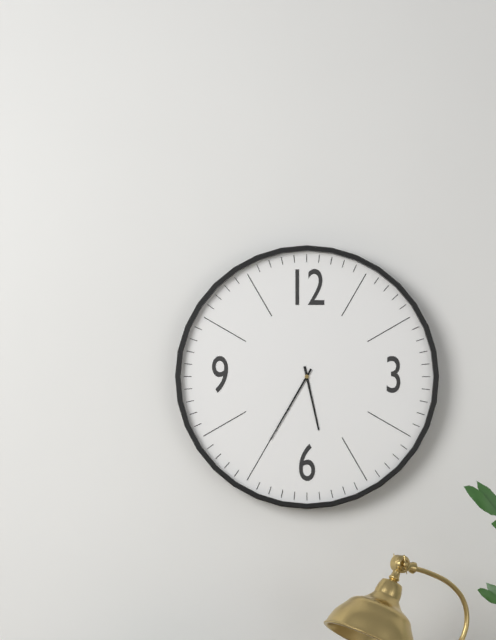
5:35
